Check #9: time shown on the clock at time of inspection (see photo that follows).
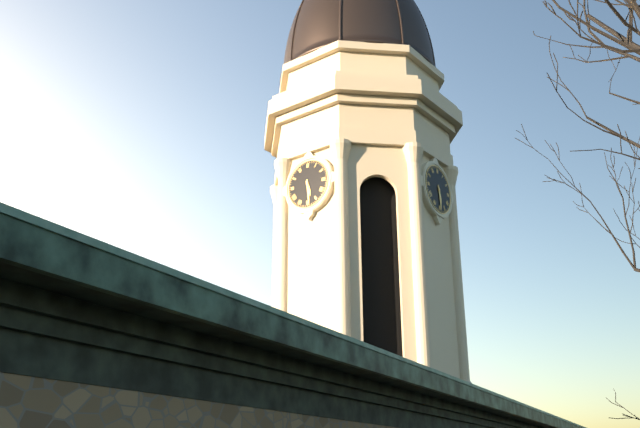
5:29
